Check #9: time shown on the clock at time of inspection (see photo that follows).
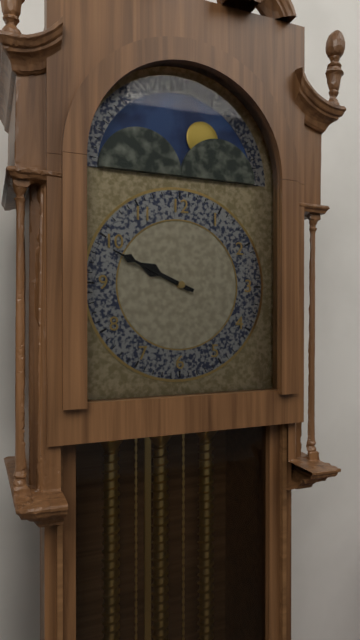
9:49
